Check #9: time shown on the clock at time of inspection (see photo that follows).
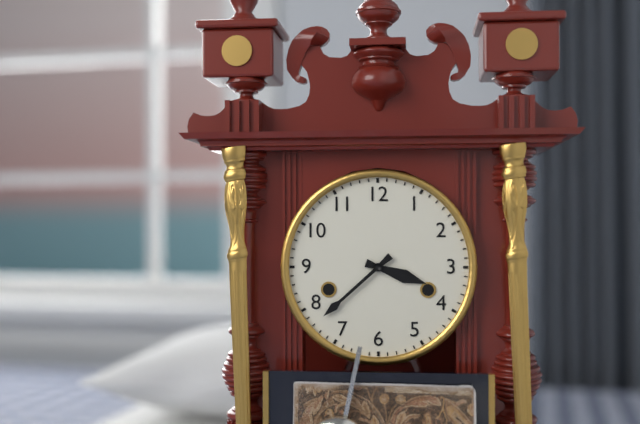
3:38
